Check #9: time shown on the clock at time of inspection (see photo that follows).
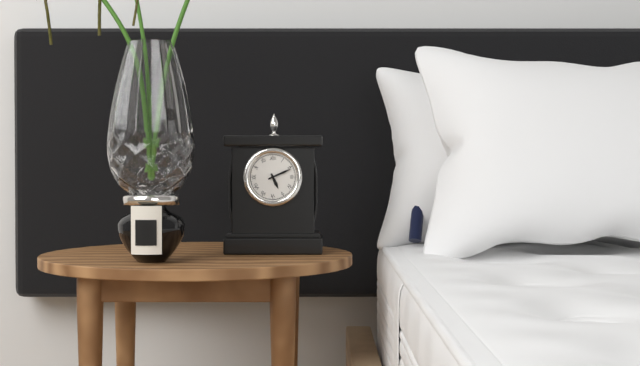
5:11
